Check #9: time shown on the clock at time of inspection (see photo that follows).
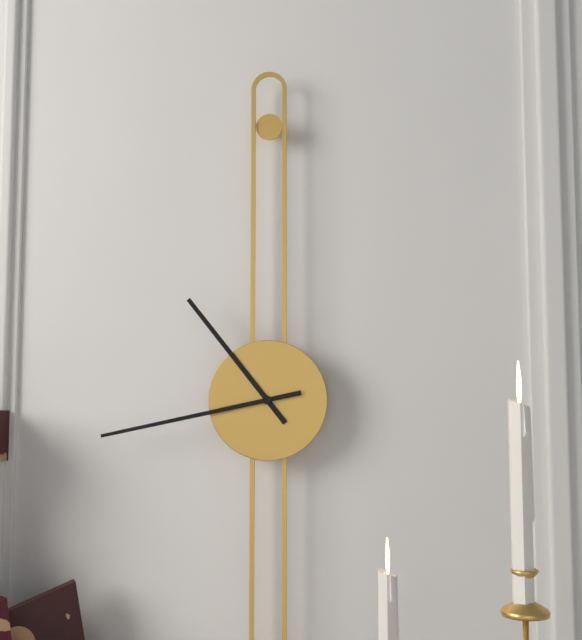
10:43
